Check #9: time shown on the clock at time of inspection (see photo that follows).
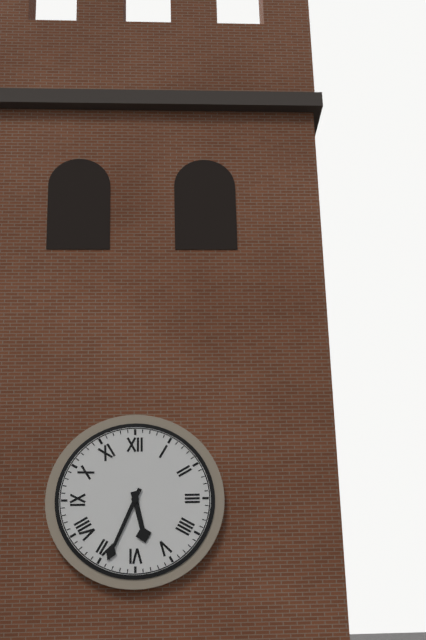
5:34
